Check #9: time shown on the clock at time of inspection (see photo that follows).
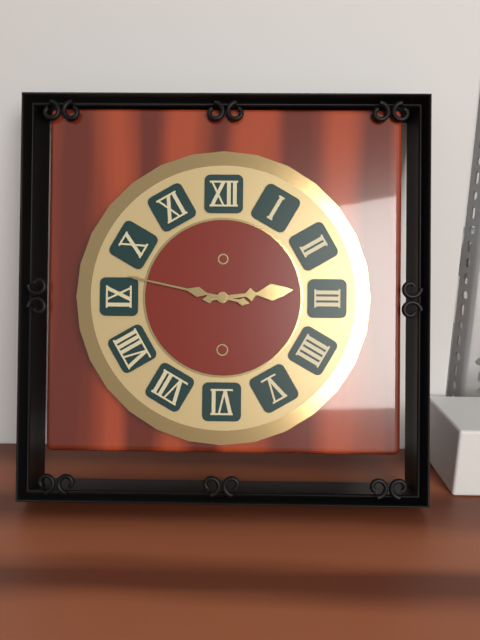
2:47
